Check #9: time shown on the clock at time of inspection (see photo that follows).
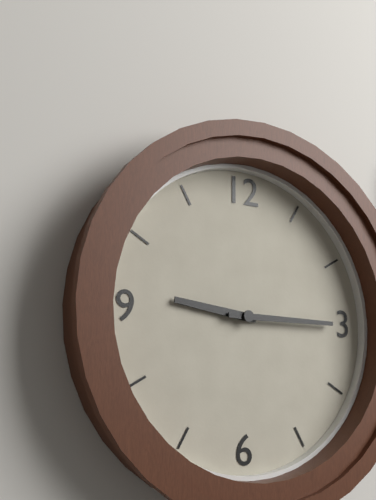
9:15
